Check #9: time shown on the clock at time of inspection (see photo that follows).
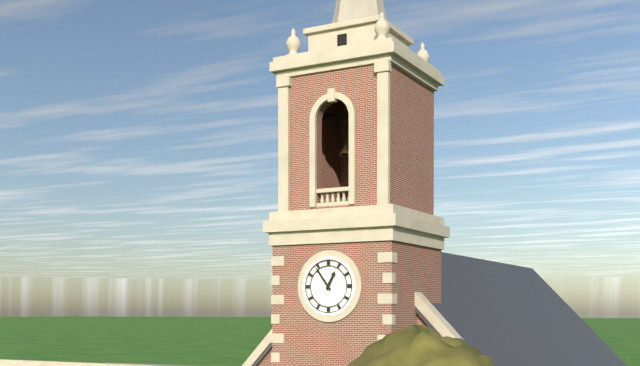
12:54
